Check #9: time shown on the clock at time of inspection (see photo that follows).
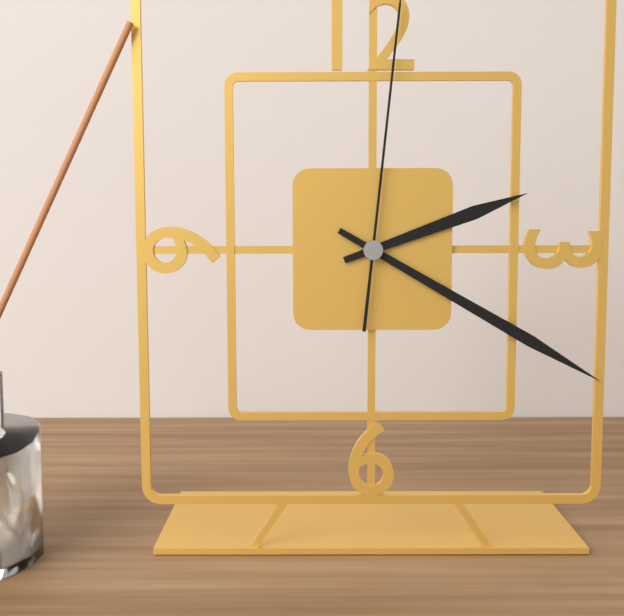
2:20
